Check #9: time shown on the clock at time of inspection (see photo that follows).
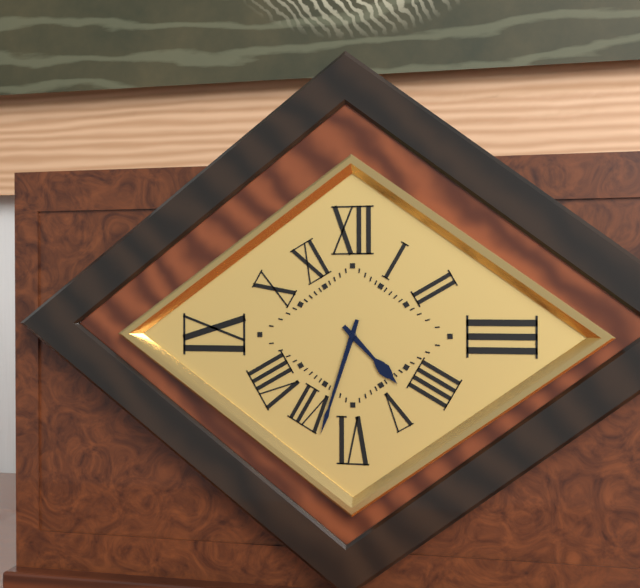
4:33
